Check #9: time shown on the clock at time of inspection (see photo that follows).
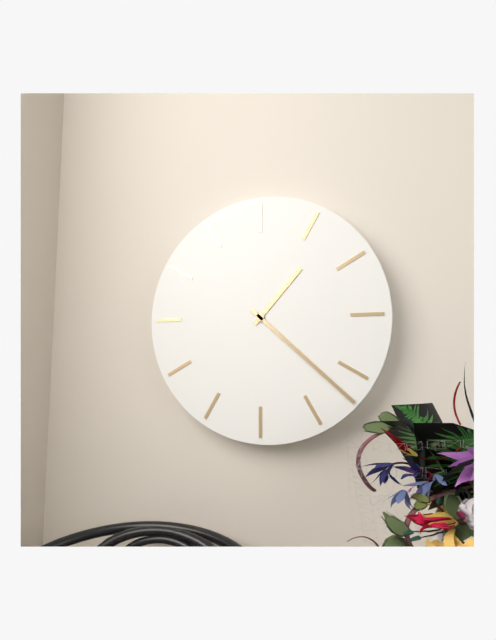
1:22
